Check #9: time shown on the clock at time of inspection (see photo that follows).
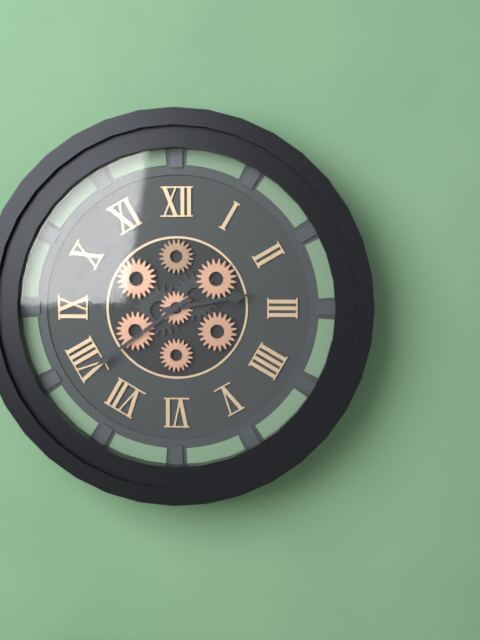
2:39
